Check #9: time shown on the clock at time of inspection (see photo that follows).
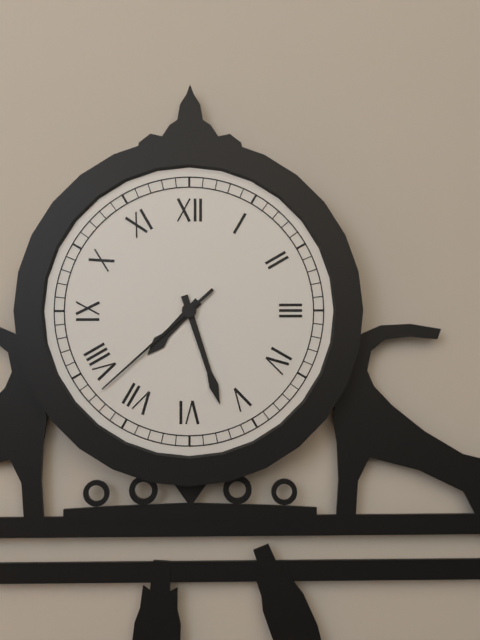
7:27:38
